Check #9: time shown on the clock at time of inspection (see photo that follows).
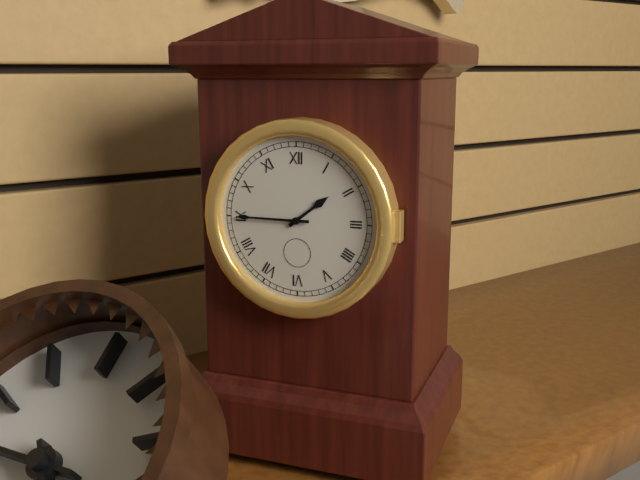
1:45
